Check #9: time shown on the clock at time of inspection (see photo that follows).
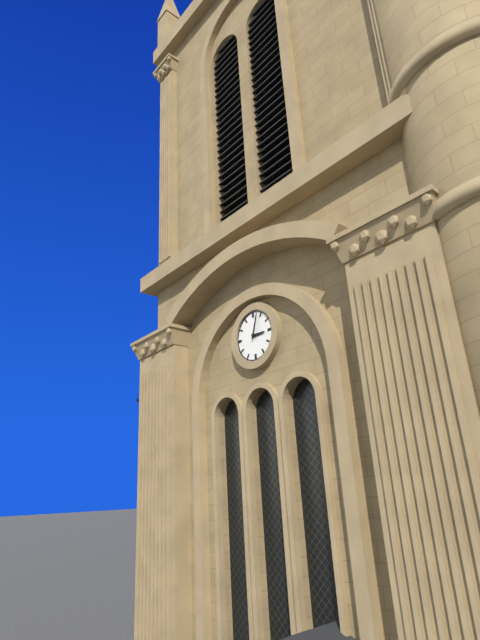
3:03
